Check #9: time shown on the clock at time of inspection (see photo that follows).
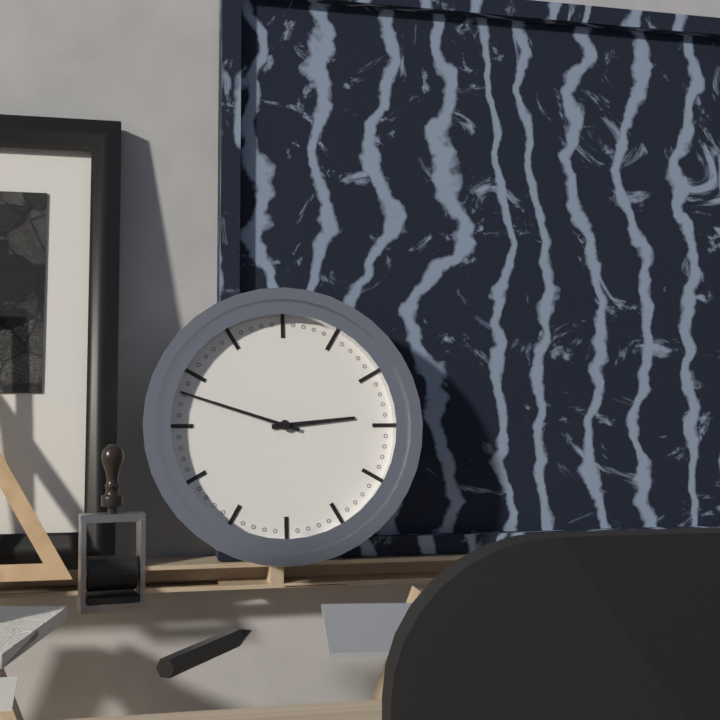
2:48
